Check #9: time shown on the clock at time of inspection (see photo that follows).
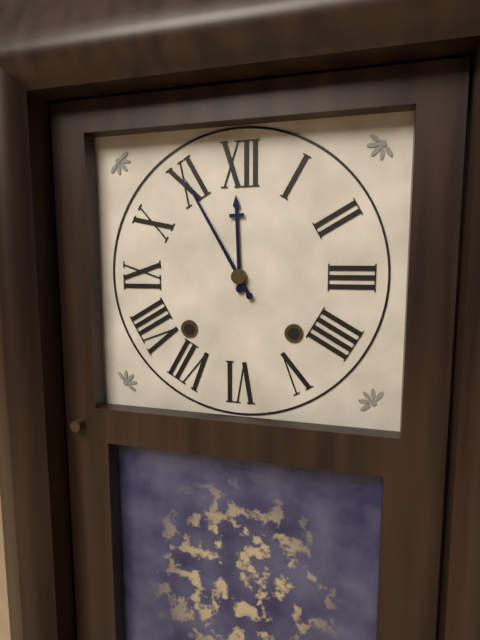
11:55
